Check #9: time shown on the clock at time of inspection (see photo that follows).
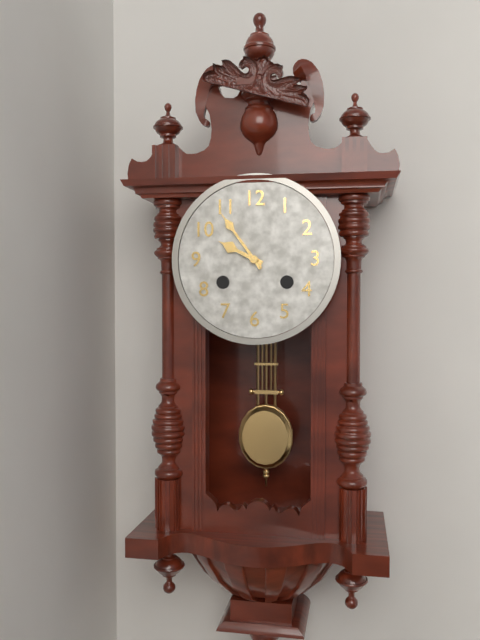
9:54
